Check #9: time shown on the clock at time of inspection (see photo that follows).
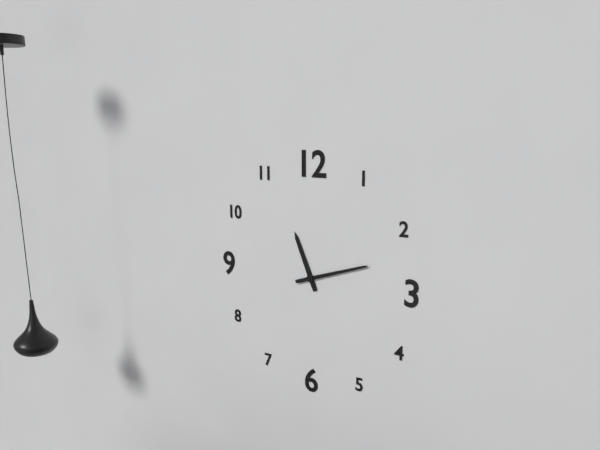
11:12
